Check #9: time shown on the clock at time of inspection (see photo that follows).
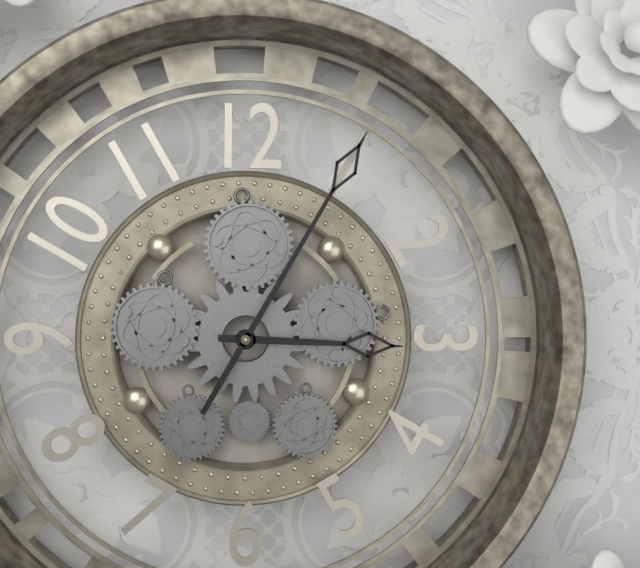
3:05
